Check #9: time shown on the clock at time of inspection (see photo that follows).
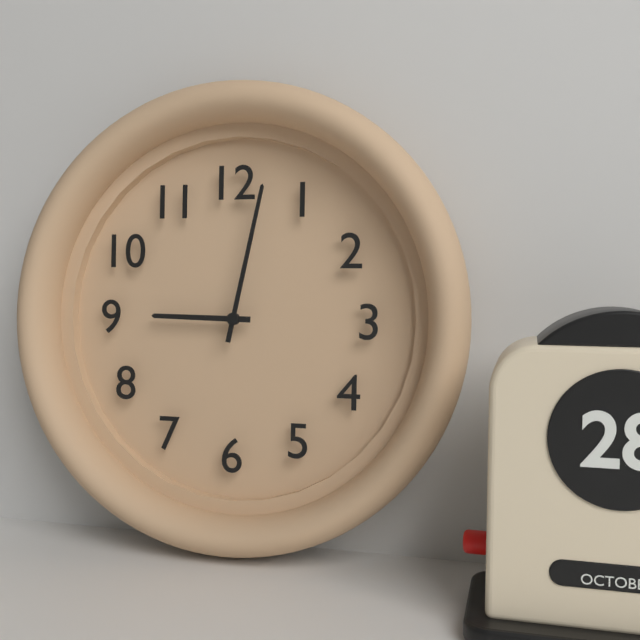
9:02
